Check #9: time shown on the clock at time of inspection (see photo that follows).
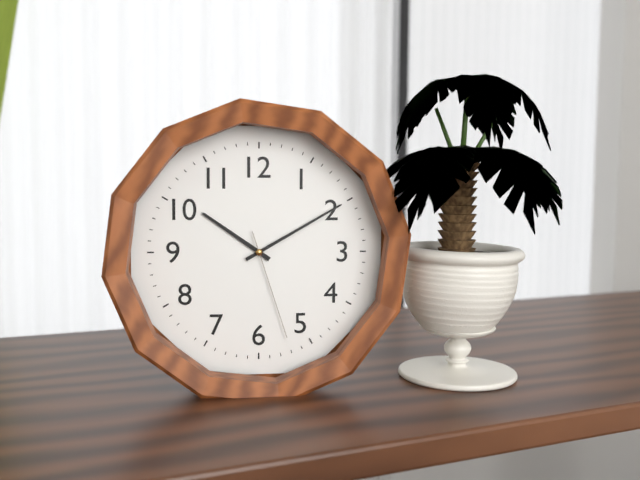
10:10:27
